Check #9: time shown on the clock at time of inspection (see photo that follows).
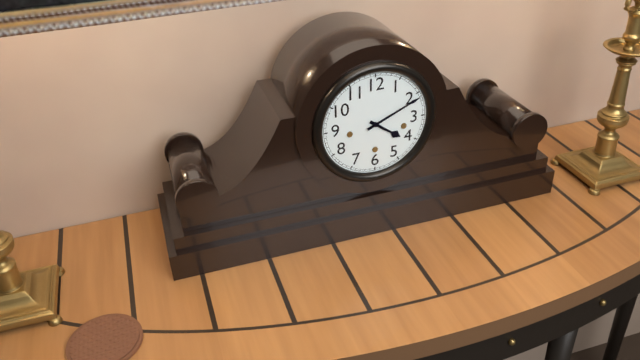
4:11
